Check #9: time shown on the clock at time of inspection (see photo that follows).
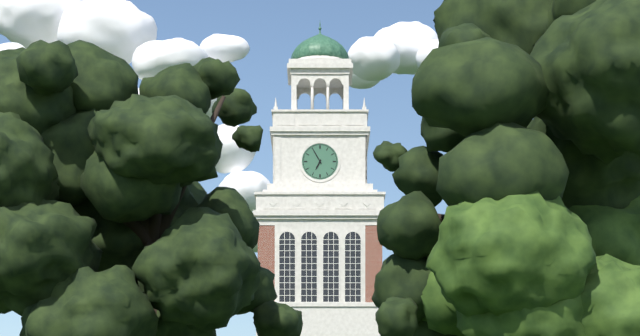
6:55
